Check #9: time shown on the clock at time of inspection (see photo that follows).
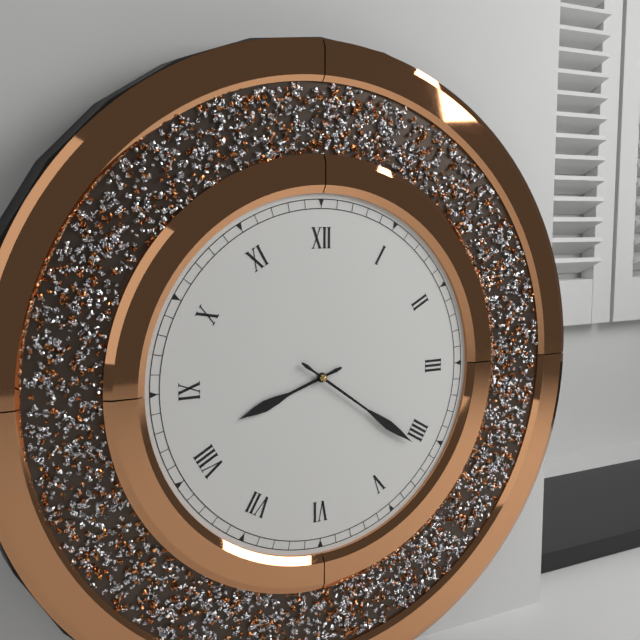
8:21
